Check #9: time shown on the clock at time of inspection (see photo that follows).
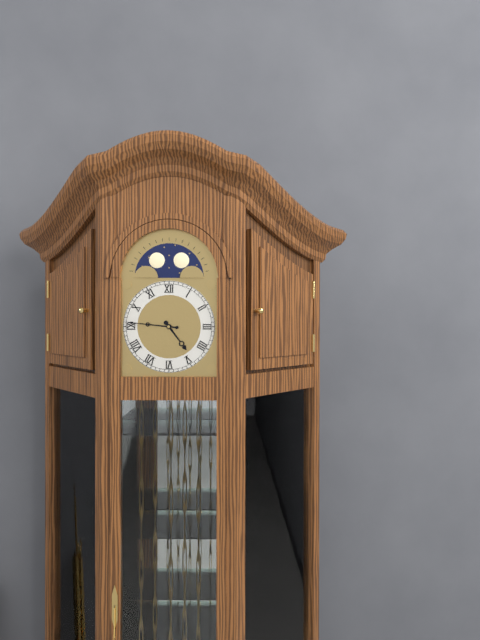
4:46
